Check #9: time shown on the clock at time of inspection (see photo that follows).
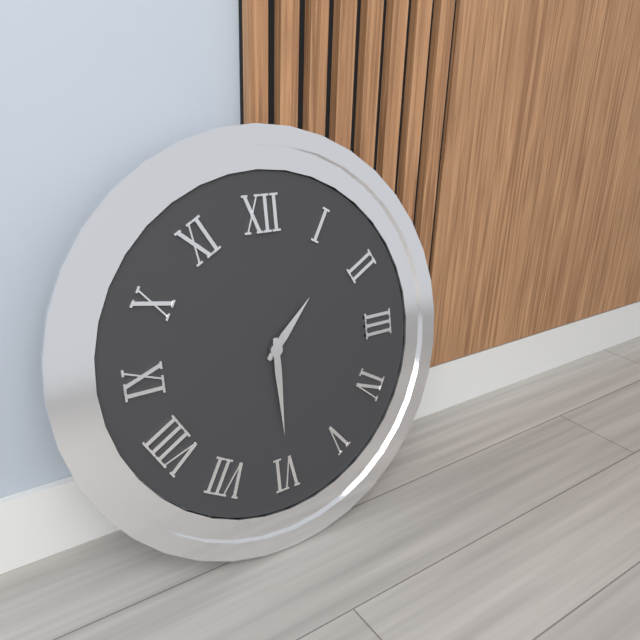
1:30
